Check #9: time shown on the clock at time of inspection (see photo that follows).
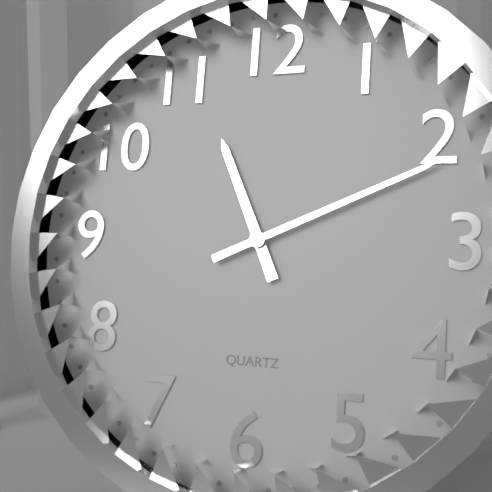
11:11
